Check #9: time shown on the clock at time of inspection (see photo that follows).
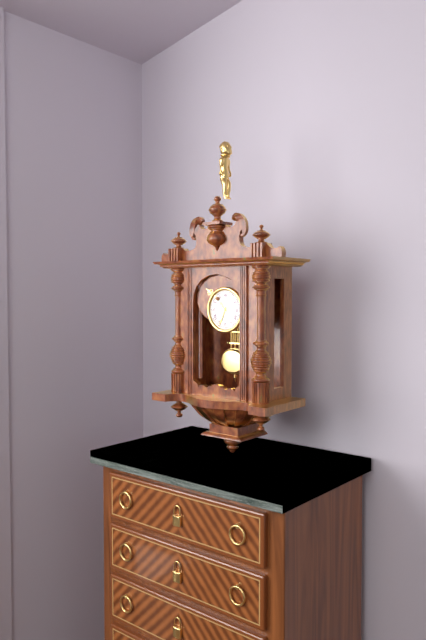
10:34
